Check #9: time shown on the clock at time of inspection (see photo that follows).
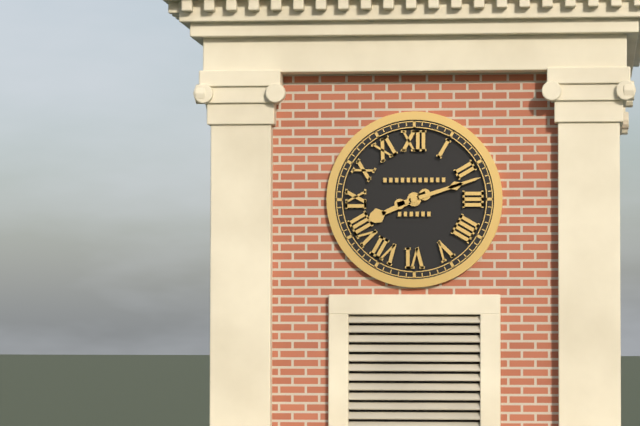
8:12
